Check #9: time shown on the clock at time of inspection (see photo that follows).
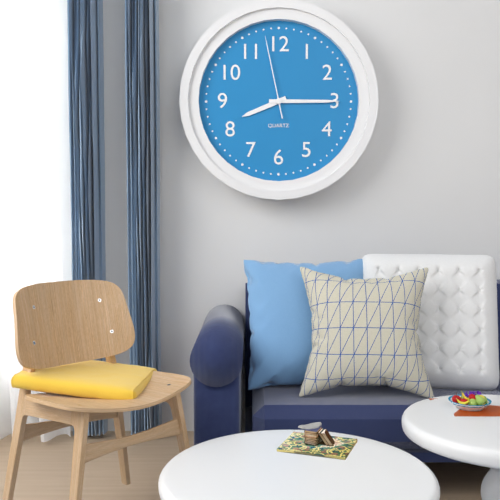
8:15:58
